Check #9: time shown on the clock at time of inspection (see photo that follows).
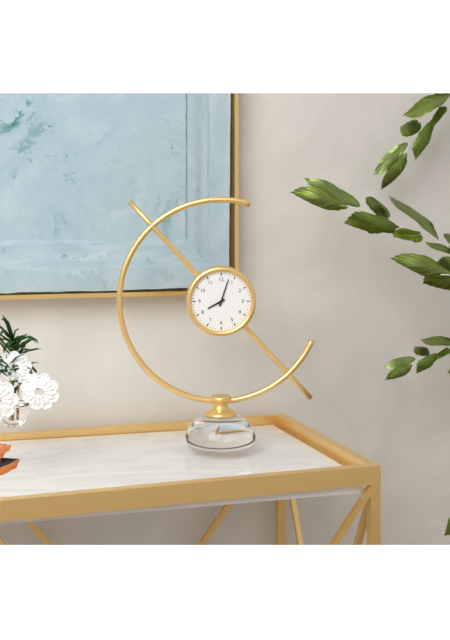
8:03
